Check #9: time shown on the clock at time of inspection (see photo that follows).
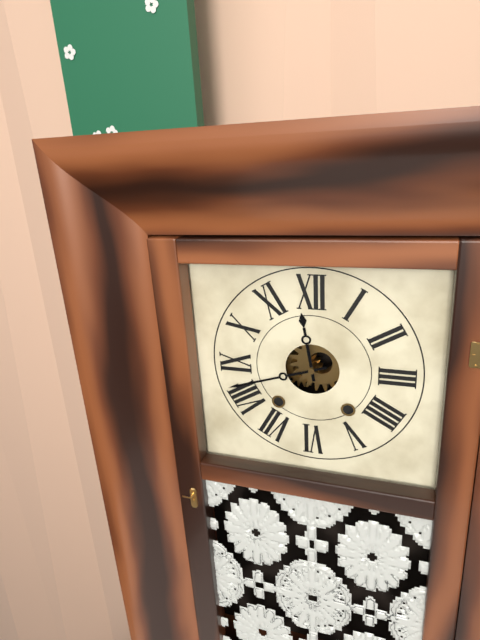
11:42
